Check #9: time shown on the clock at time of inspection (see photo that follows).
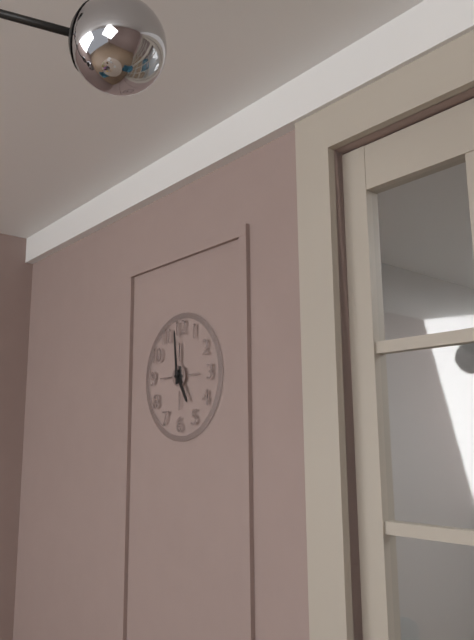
4:59
